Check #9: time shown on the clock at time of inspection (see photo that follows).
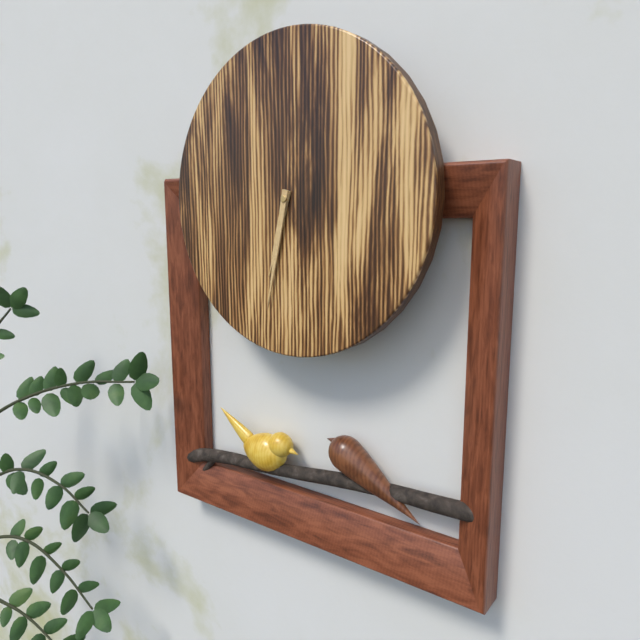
6:32
